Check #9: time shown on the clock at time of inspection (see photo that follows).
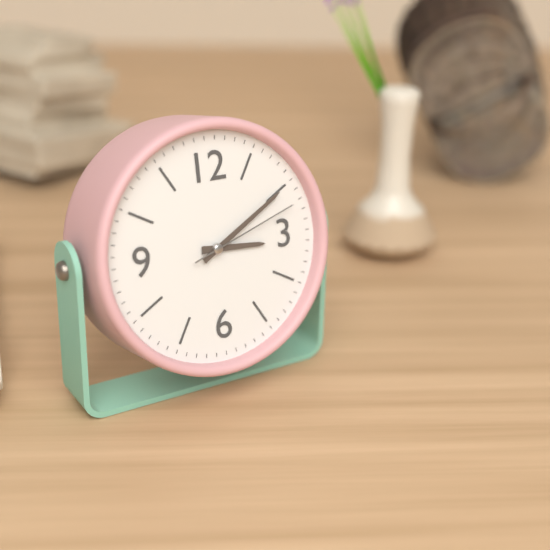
3:10:12
